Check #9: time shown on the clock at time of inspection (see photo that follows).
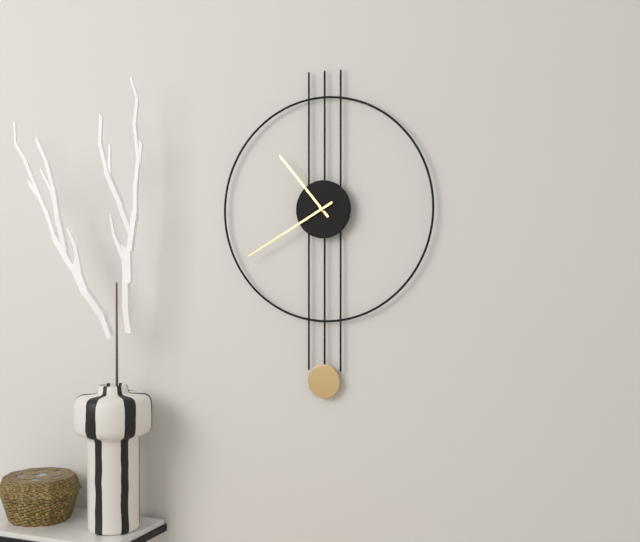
10:40
